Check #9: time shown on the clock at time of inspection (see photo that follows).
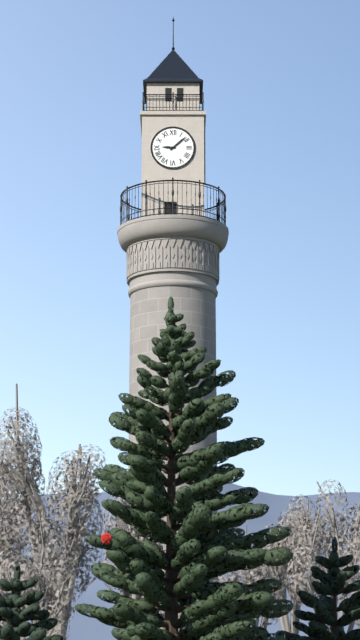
9:08
